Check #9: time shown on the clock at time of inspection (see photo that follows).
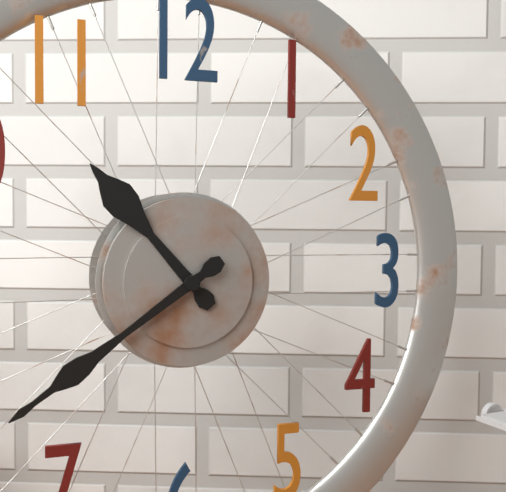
10:39
